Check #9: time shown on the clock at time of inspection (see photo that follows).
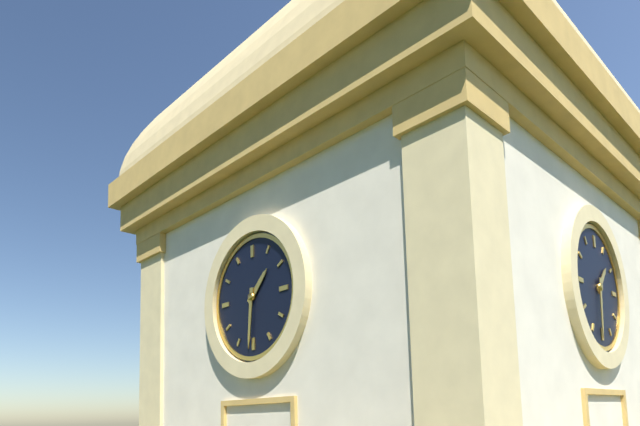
1:31
